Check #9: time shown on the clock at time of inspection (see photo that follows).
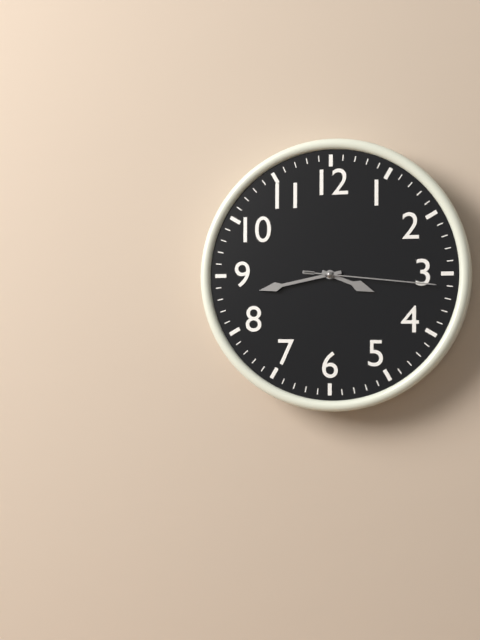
3:43:16
